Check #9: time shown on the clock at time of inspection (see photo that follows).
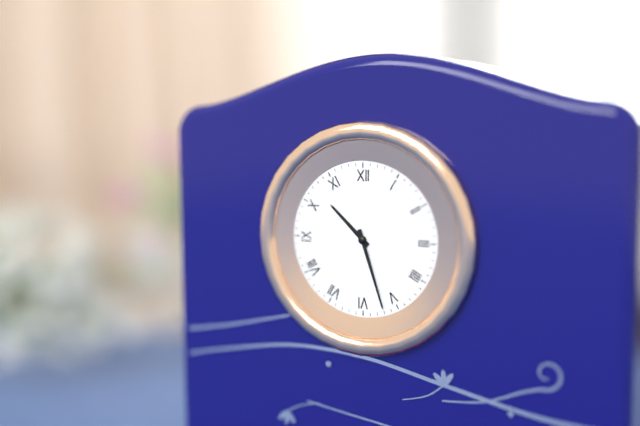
10:27
